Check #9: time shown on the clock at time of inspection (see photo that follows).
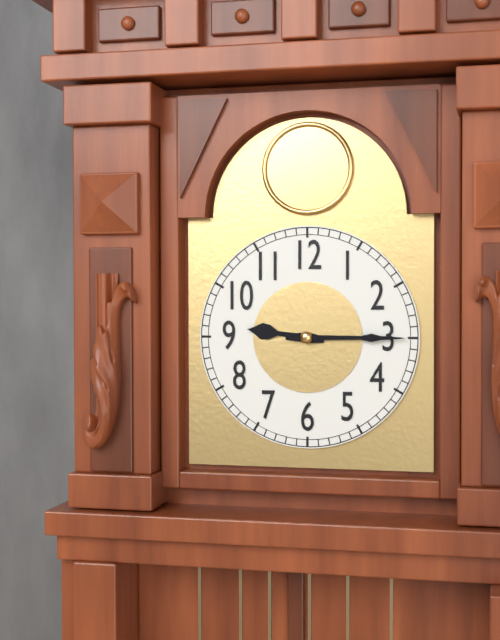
9:15
